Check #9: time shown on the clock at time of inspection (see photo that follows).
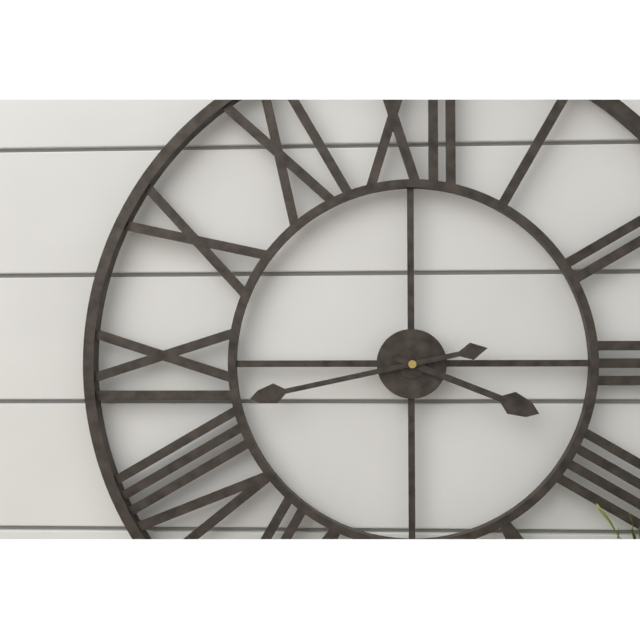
3:43
